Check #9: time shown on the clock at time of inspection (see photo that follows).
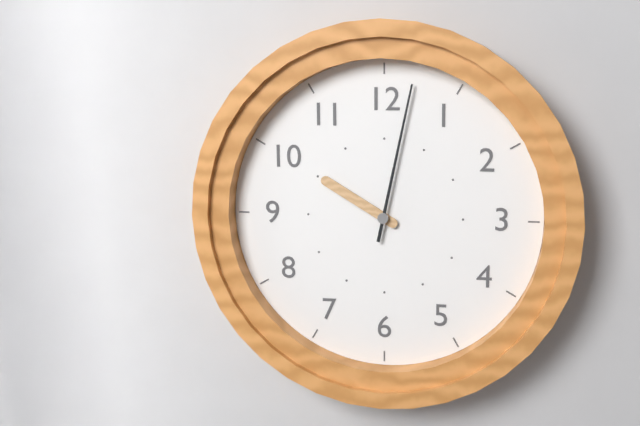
10:02
